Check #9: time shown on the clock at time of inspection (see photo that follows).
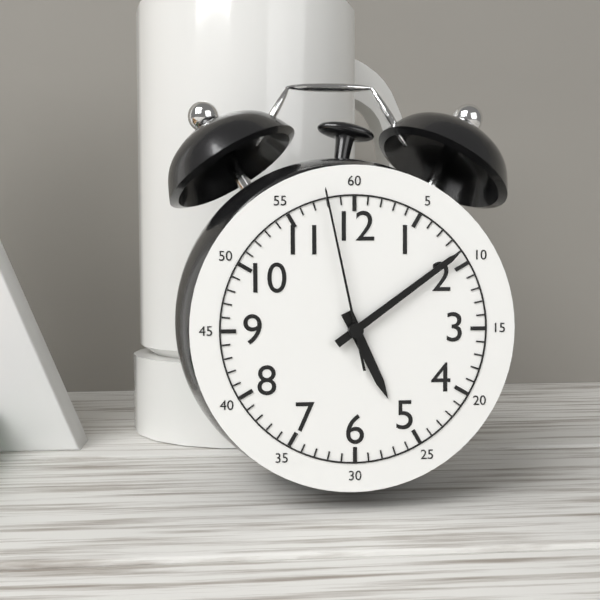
5:09:58
